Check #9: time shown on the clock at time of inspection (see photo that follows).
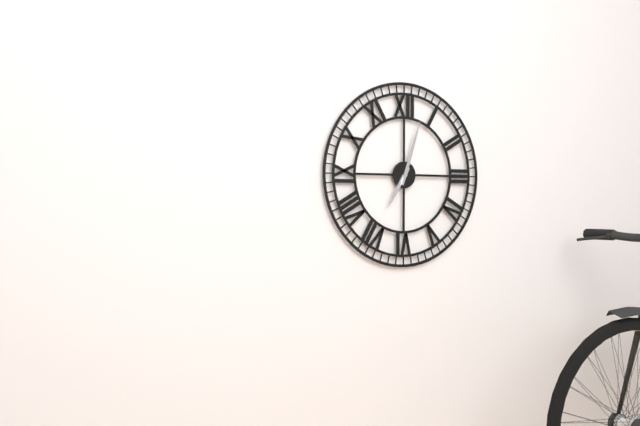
7:03
